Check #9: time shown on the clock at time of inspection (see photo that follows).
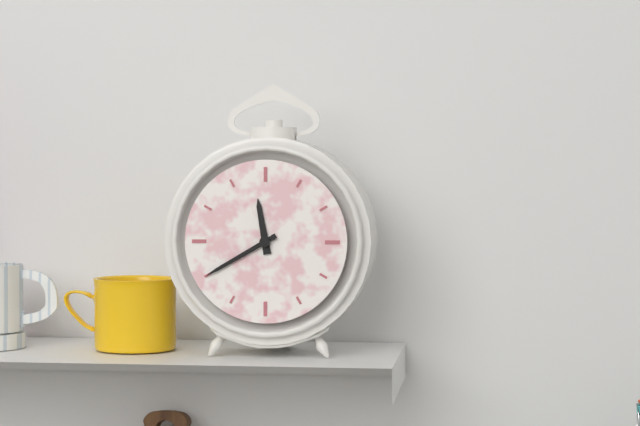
11:40
